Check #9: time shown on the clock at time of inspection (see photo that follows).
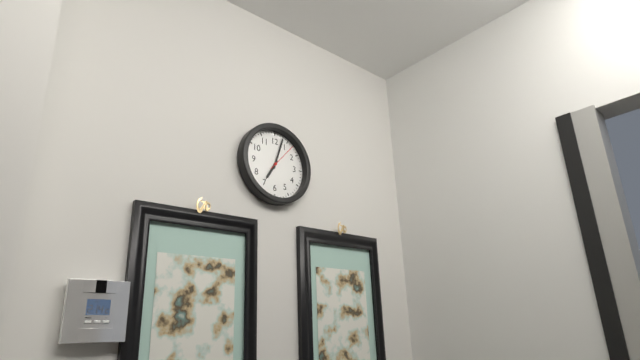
7:03
